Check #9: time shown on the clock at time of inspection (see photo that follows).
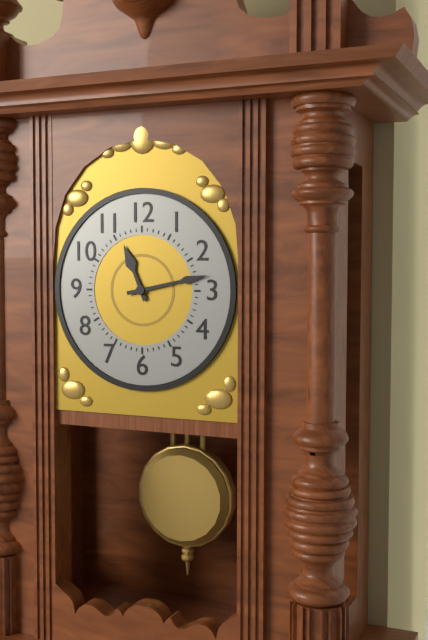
11:13
